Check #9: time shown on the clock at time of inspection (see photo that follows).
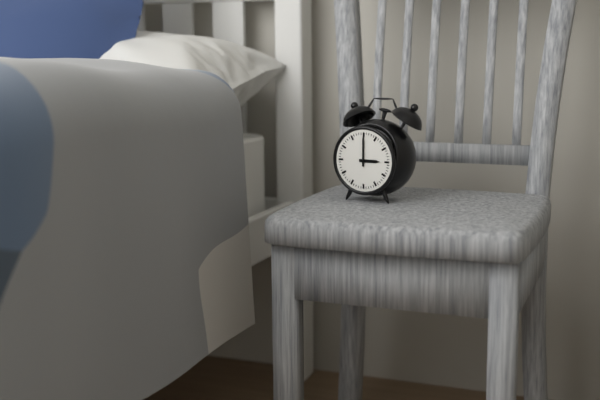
3:00
